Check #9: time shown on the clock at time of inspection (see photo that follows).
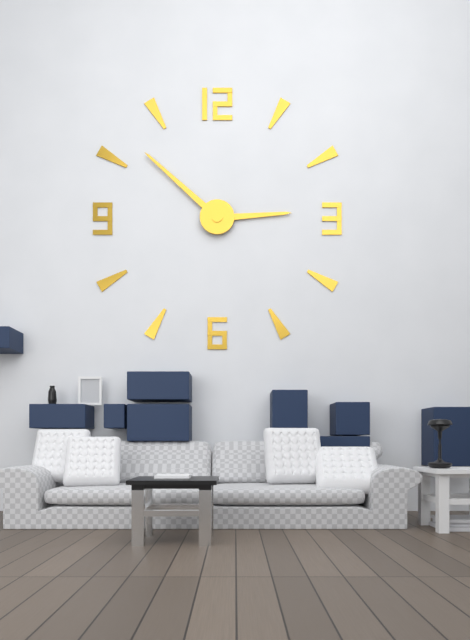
2:52
